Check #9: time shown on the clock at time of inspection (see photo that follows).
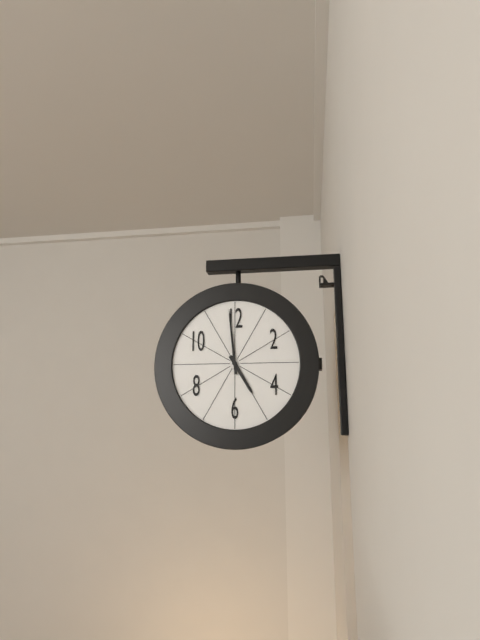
4:59
